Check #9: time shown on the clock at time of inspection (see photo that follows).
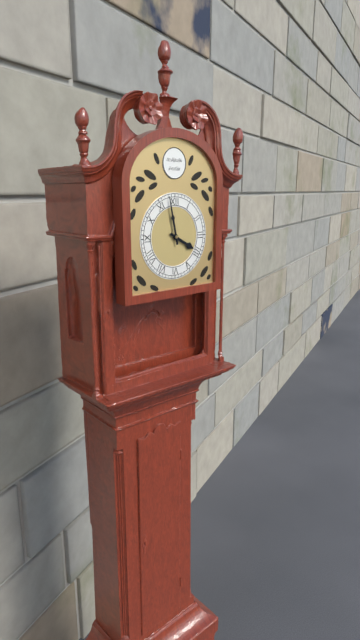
3:58
